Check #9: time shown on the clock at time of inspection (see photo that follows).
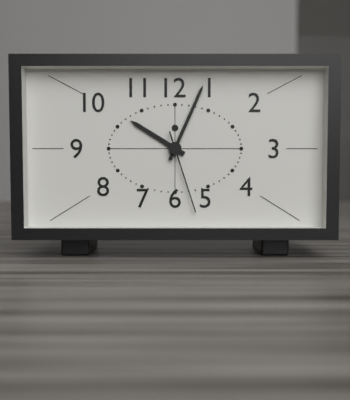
10:04:27
